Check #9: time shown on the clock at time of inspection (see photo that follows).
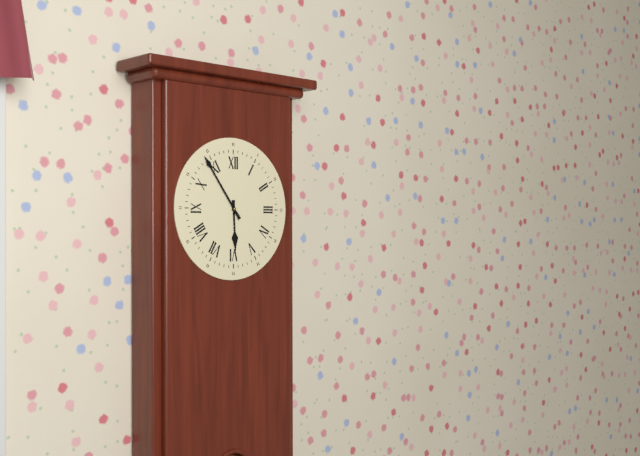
5:54
